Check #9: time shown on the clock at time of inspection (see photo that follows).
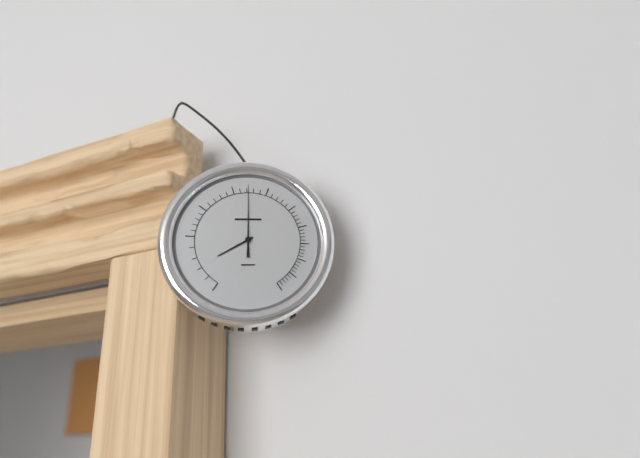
8:00
